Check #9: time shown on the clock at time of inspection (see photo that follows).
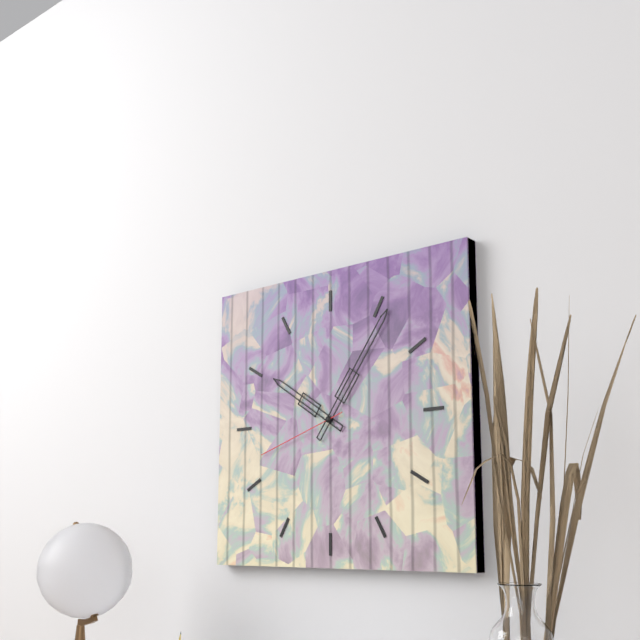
10:06:42
